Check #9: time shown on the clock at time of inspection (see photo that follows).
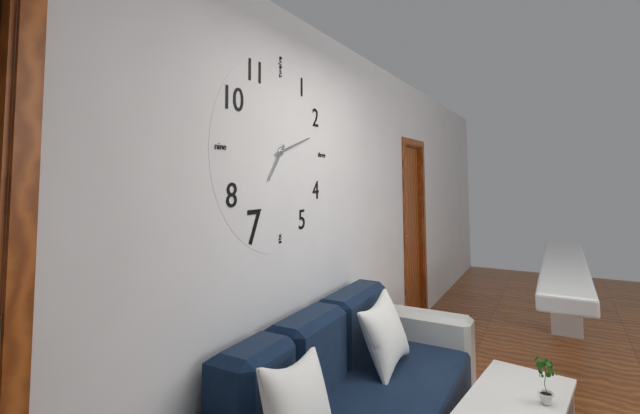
7:12
